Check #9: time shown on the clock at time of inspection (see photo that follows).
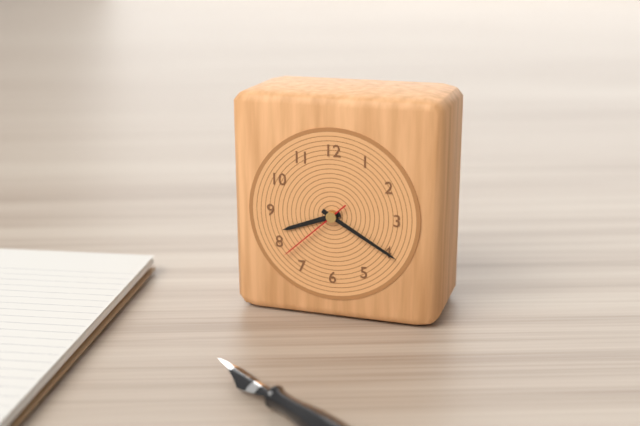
8:20:38
